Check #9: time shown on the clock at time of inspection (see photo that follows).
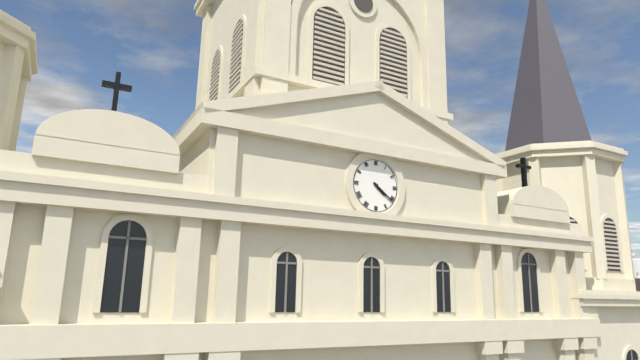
4:21
